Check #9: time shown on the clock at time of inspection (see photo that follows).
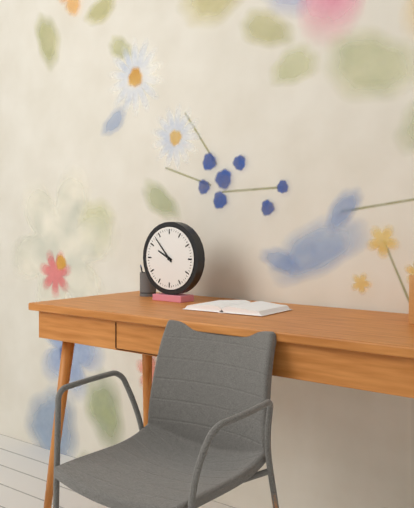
9:53
